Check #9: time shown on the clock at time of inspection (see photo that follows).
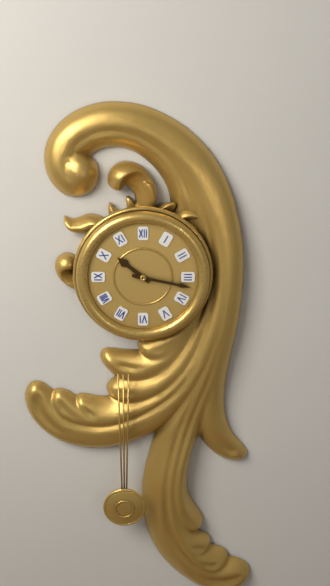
10:17
